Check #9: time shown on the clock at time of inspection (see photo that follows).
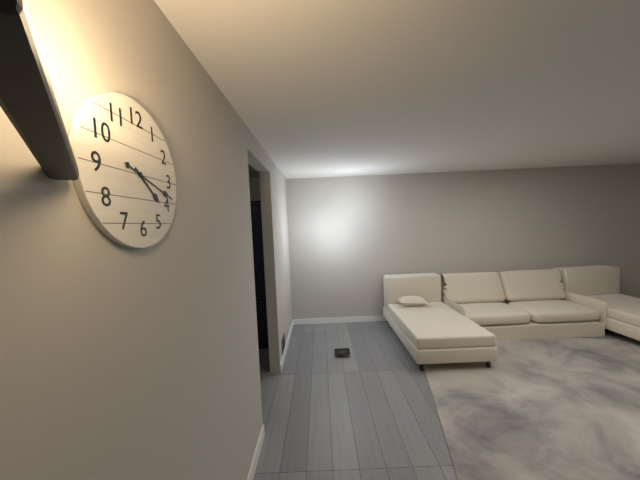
4:18
